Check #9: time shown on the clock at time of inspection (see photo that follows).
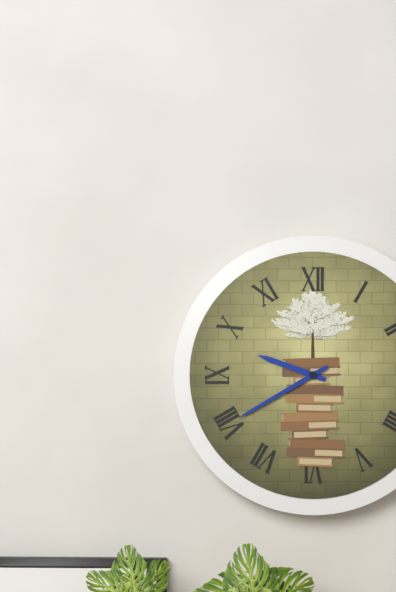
9:40
